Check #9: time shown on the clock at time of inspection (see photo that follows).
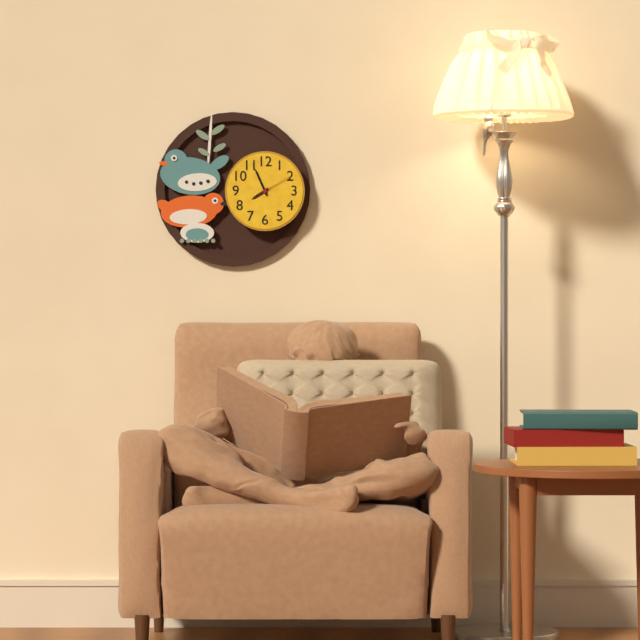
7:56
